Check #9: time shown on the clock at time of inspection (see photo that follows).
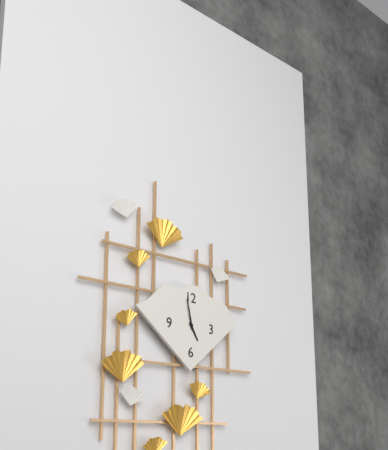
4:58
